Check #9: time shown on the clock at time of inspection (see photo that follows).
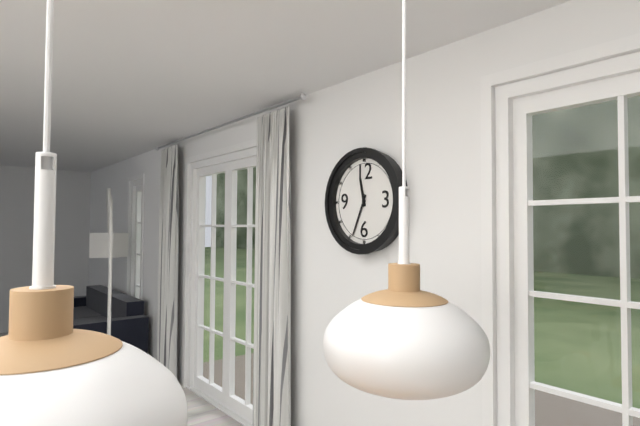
11:34
